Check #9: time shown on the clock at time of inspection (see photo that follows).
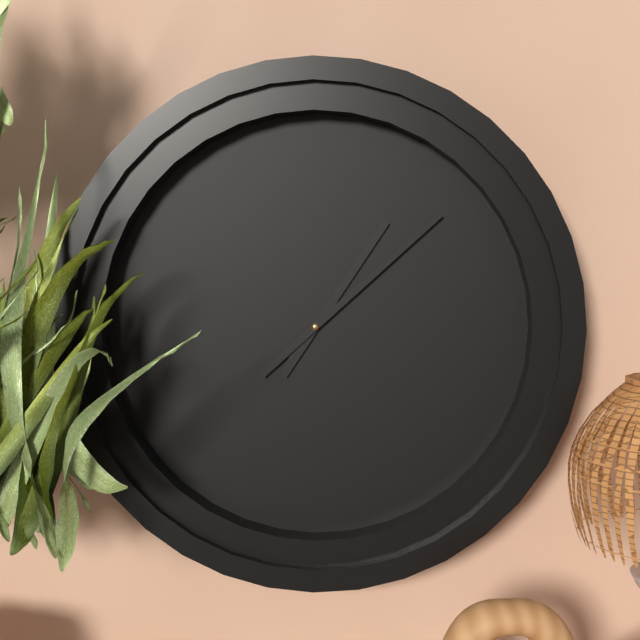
1:08
